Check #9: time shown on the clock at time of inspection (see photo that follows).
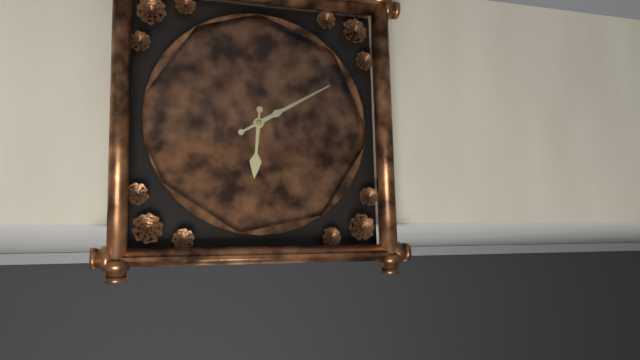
6:10
